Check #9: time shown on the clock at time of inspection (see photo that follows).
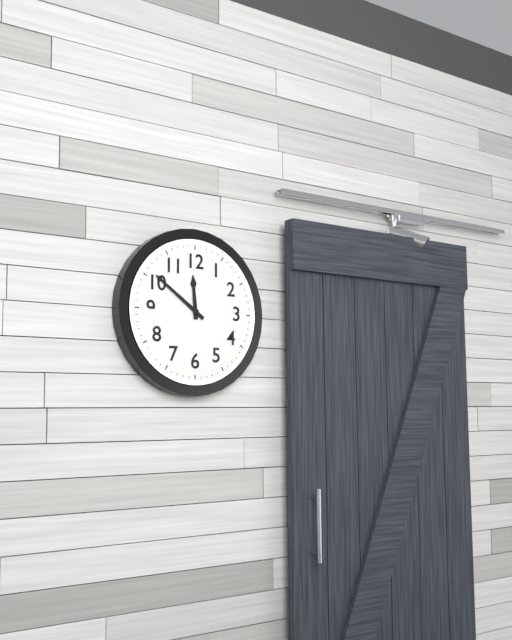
11:51
